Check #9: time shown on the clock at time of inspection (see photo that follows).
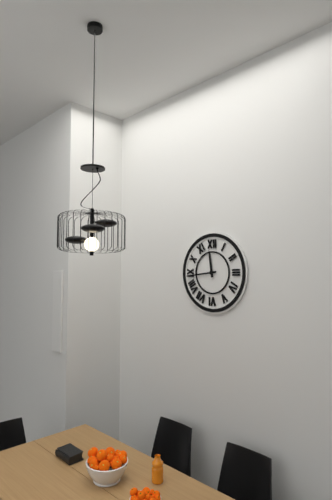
11:44
